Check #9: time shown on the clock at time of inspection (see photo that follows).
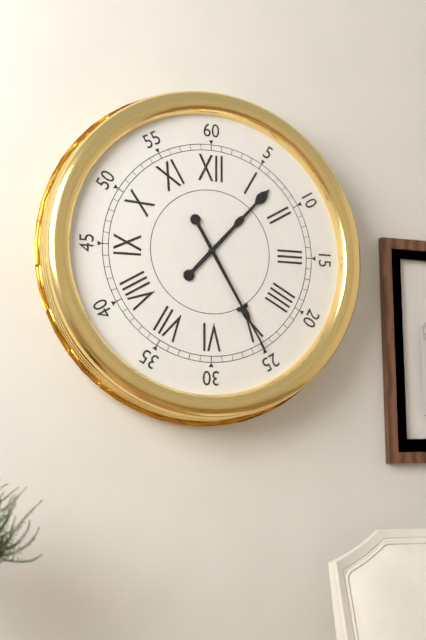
1:25
